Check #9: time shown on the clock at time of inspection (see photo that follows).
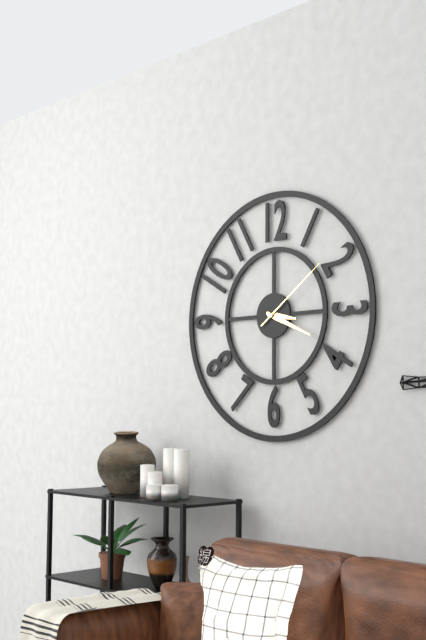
3:19:09
